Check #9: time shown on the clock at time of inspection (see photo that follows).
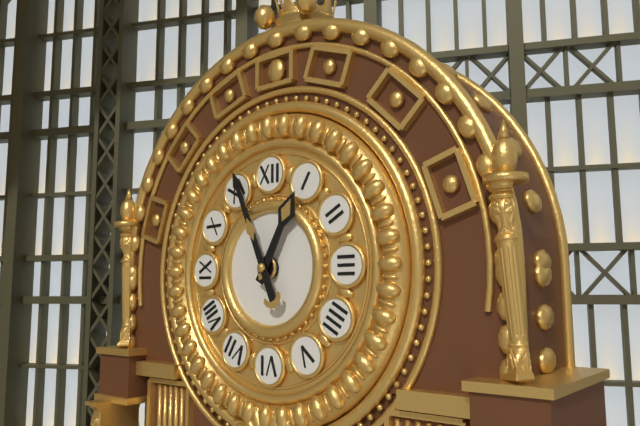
12:56
